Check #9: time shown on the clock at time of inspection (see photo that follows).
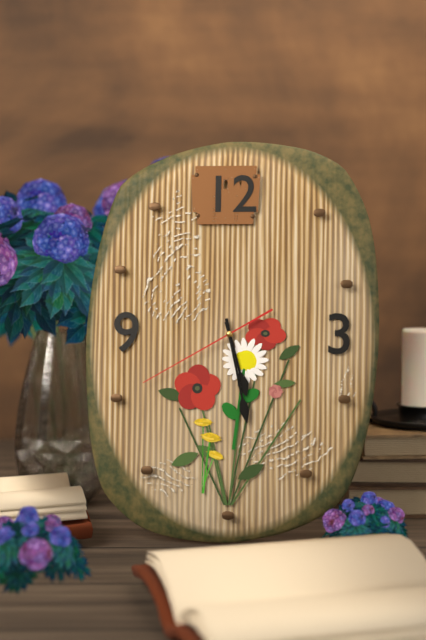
5:28:40
